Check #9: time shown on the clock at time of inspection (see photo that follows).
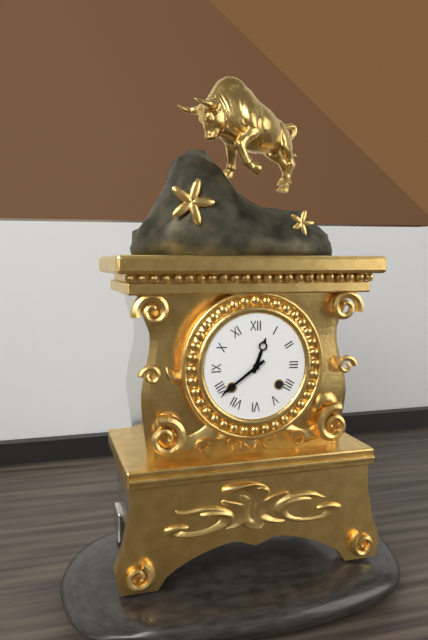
12:39
